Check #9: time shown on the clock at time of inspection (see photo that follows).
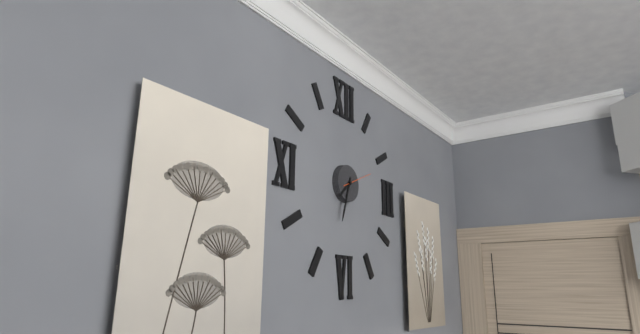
7:33
